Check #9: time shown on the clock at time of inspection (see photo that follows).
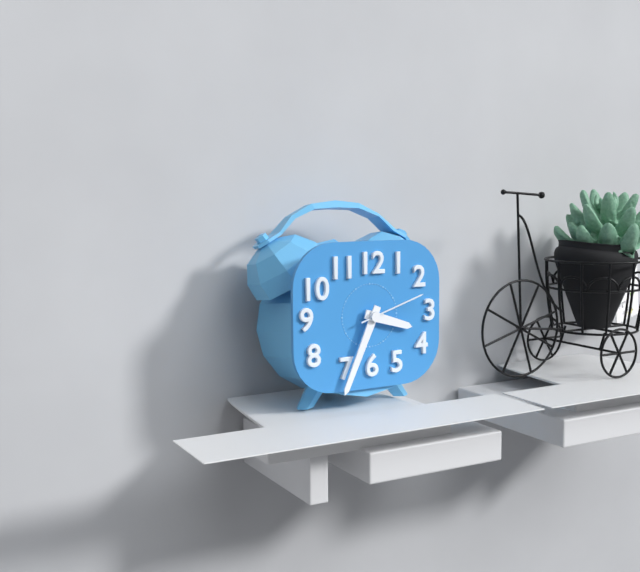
3:34:12
